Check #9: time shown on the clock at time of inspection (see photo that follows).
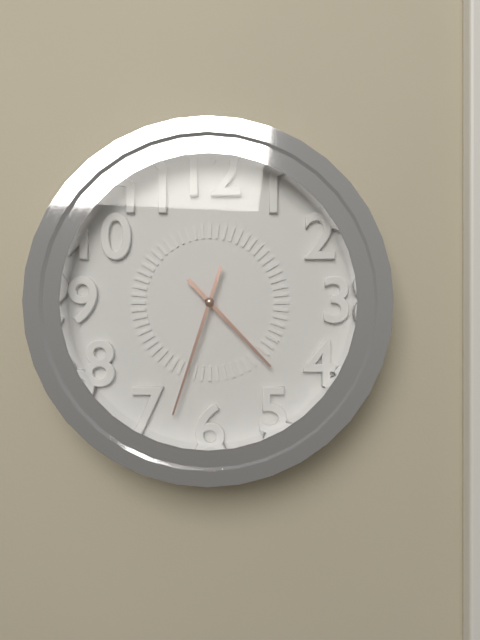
4:33
